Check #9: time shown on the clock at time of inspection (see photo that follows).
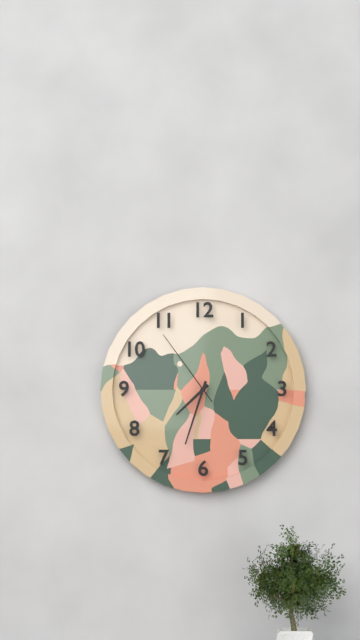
7:33:54
